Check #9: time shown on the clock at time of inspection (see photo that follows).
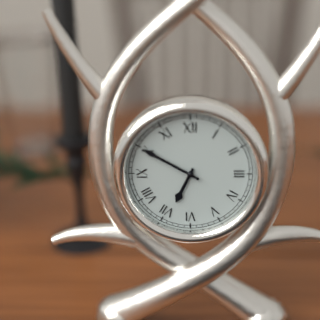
6:50
